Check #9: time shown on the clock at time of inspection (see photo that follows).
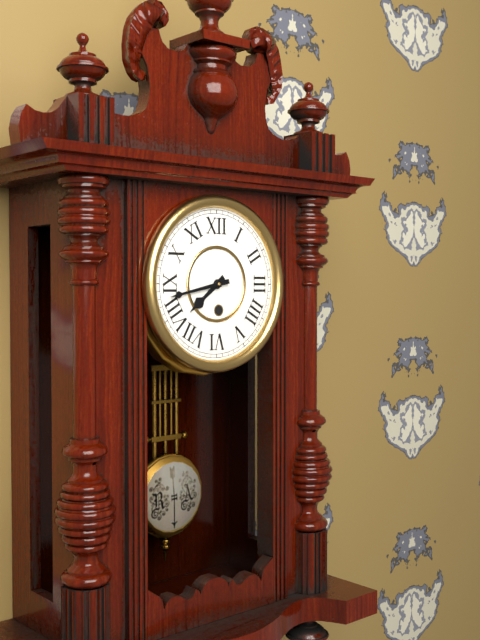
7:43
